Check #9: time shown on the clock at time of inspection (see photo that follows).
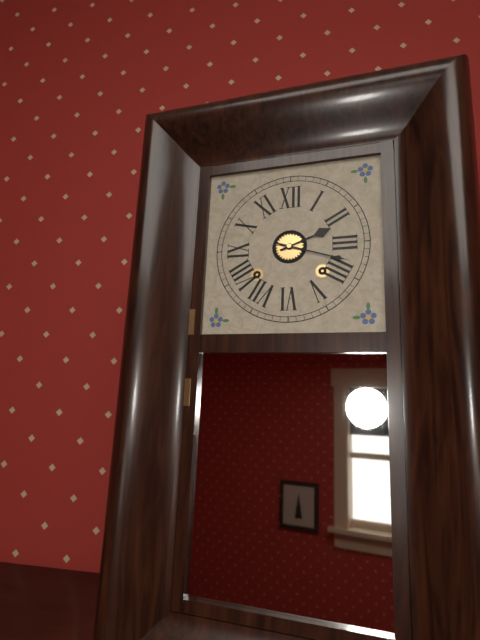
2:18
